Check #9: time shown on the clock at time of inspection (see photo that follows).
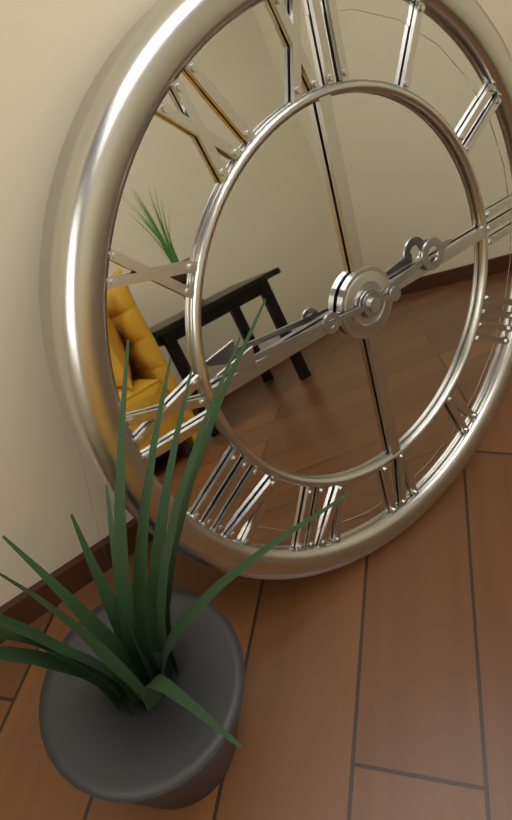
2:46
